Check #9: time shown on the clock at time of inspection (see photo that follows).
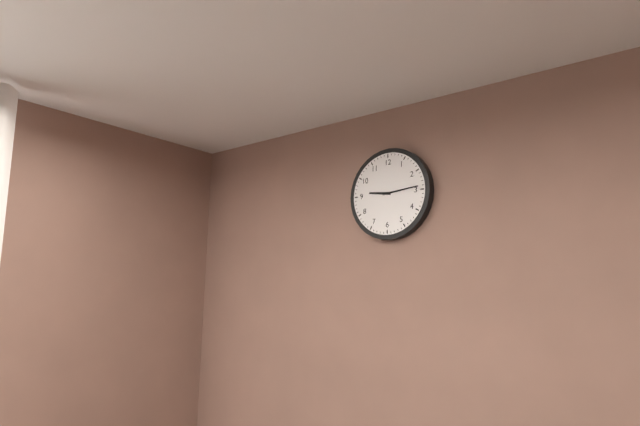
9:14
